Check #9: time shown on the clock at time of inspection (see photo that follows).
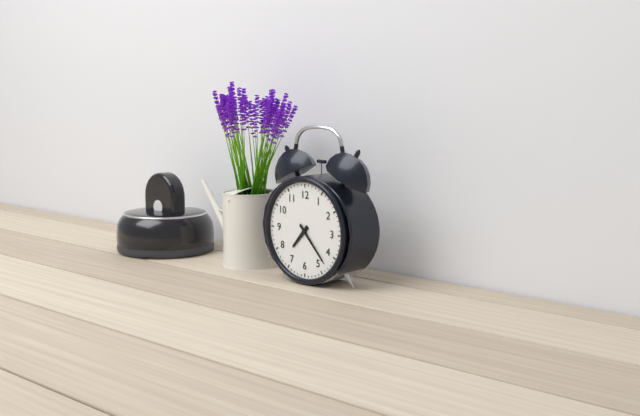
7:23
